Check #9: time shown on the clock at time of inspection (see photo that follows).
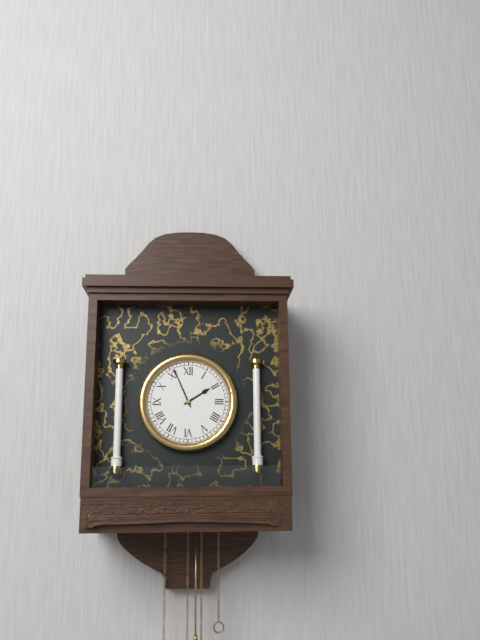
1:56
